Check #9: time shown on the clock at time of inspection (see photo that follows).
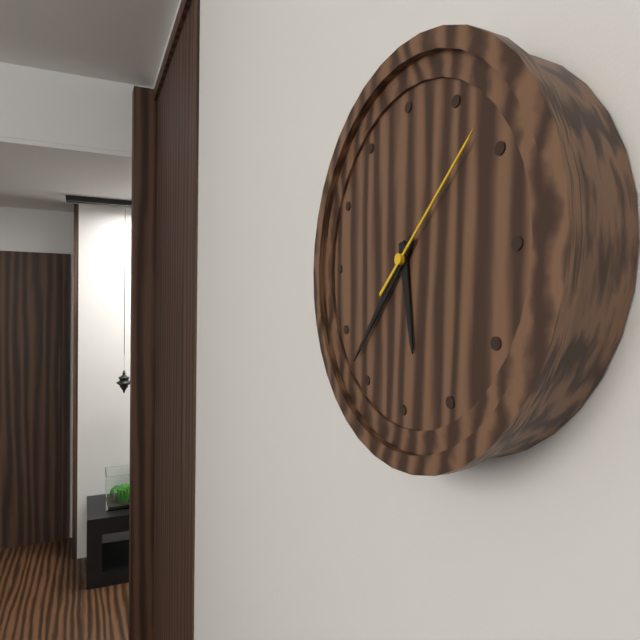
5:37:08
